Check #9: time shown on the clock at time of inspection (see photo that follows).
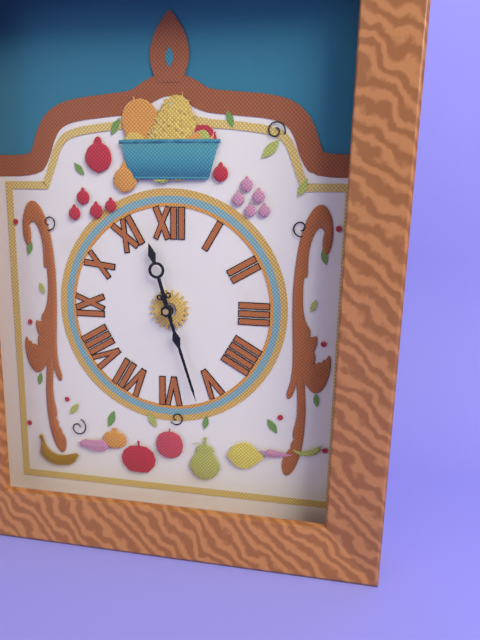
11:27
